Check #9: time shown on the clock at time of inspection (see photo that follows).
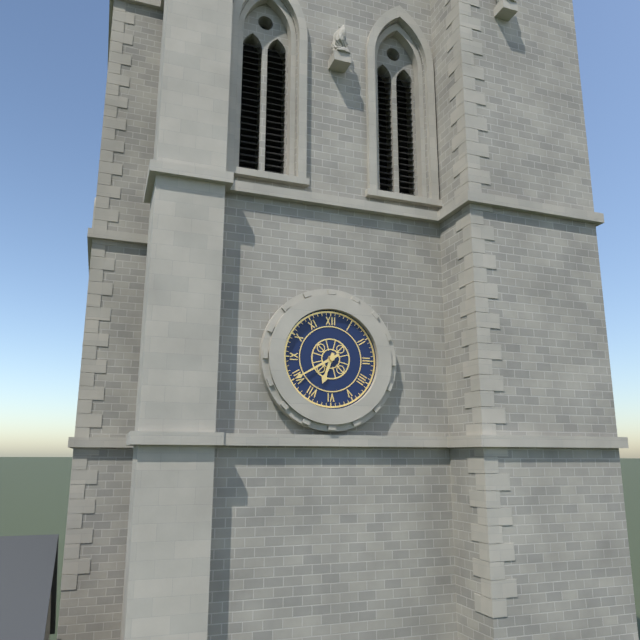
6:40
